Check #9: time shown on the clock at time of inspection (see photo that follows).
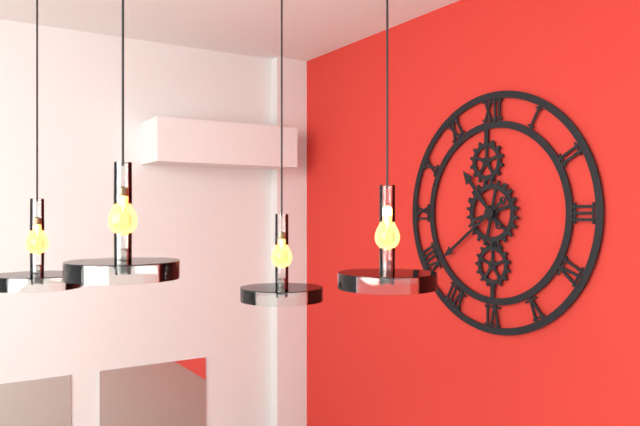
10:39
